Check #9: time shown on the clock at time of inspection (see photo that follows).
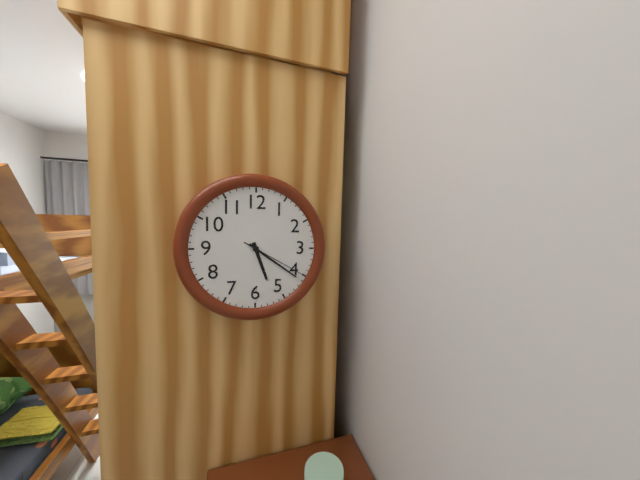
5:21:20
